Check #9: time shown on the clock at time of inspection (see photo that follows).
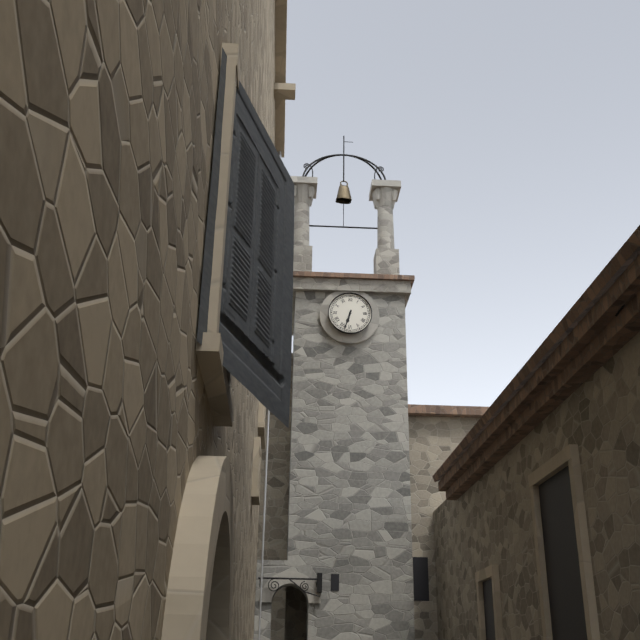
6:33
